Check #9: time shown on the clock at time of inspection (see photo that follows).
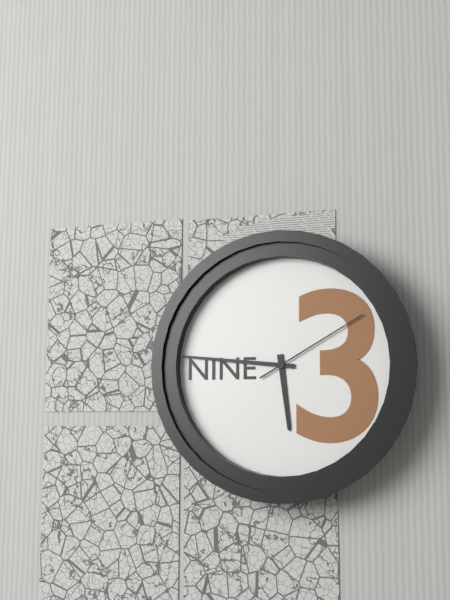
5:46:10
